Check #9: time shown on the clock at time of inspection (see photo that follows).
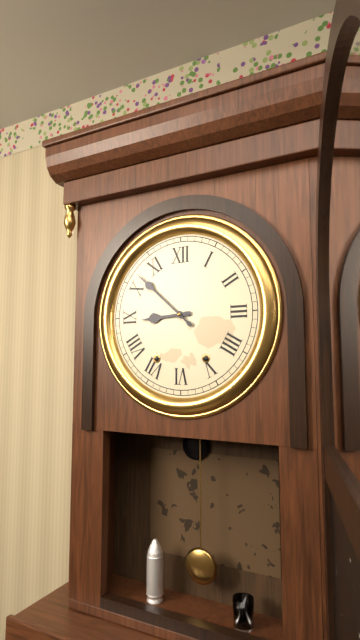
8:52
